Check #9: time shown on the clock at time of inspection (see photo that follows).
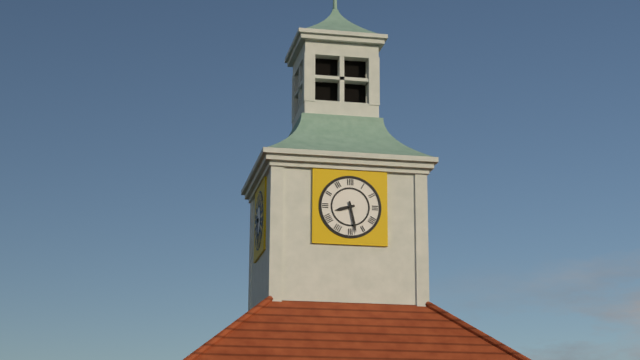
8:28
